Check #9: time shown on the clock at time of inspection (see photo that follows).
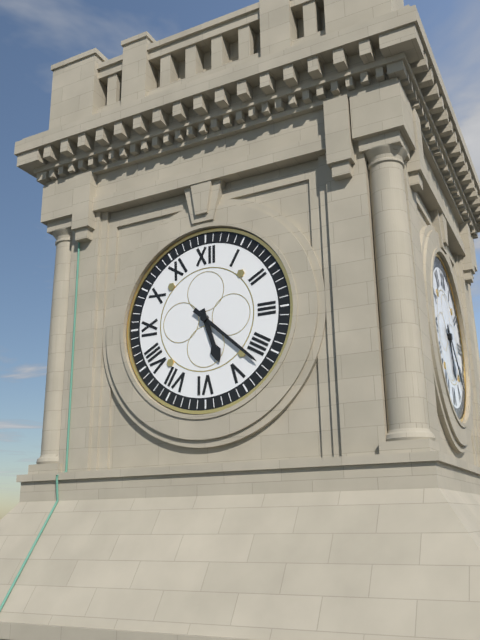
5:22
